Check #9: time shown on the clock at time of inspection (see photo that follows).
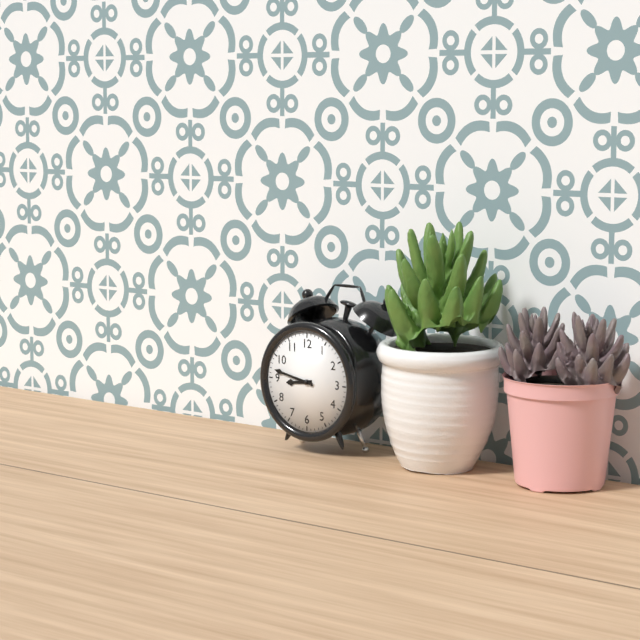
8:47
